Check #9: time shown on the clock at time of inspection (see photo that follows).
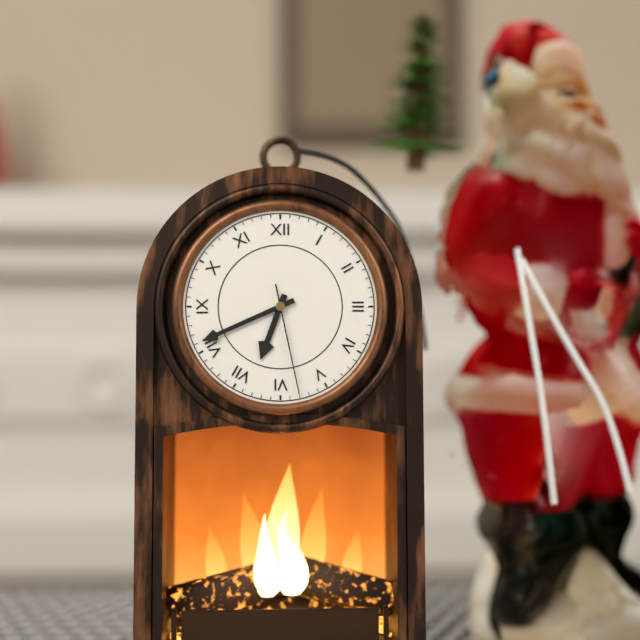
6:41:28
